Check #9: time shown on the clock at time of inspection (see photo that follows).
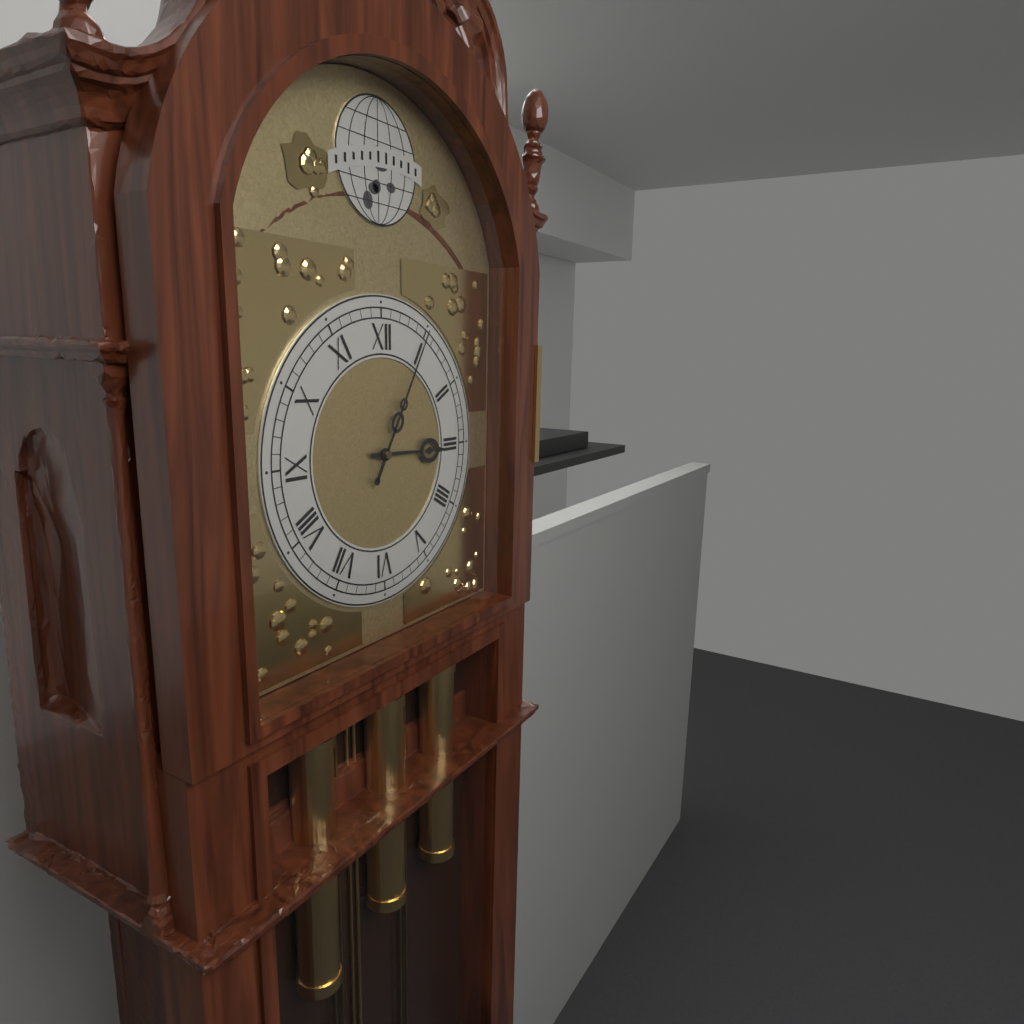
3:05
